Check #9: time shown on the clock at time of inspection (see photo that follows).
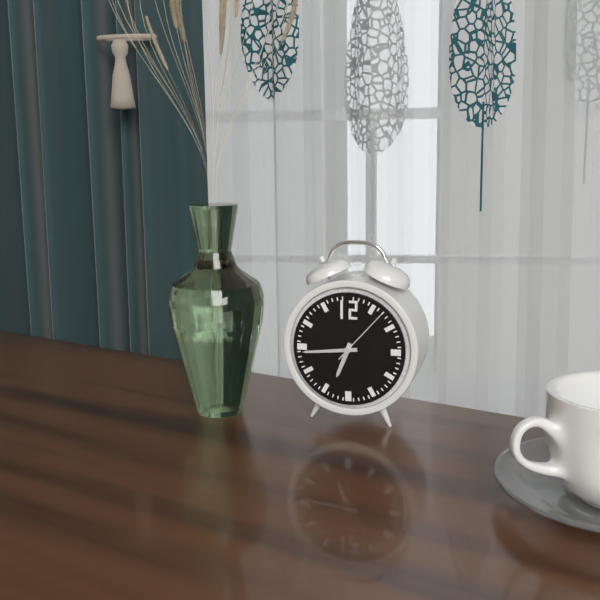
6:44:07
